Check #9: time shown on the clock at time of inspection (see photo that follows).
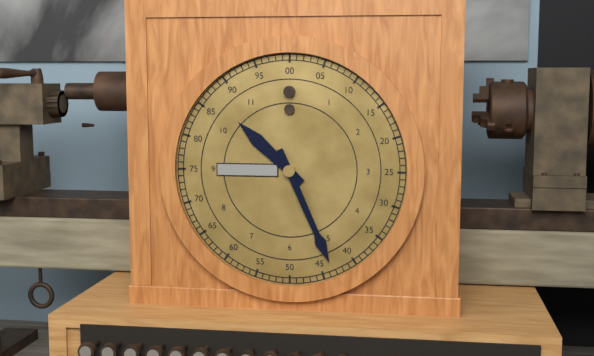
10:26
